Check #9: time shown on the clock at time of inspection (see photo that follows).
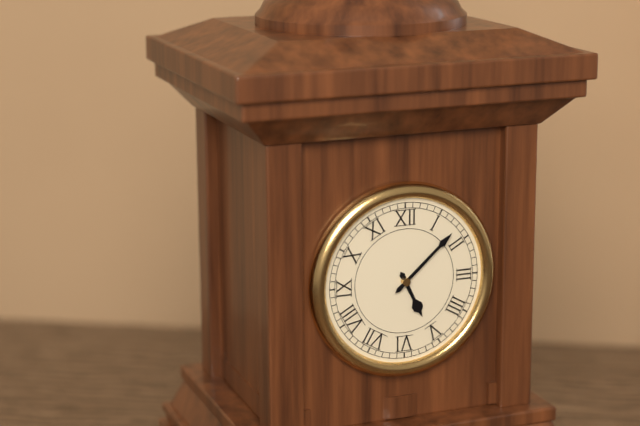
5:08
